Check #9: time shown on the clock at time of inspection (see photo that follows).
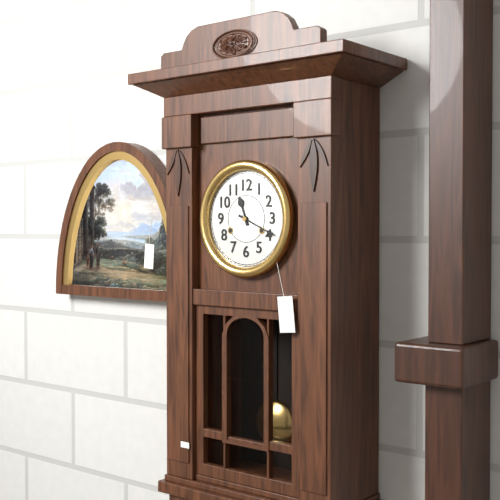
11:19
